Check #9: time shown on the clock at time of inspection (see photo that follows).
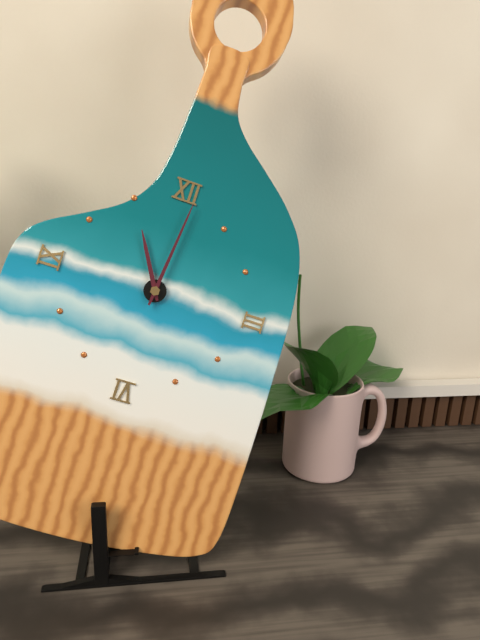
11:01
